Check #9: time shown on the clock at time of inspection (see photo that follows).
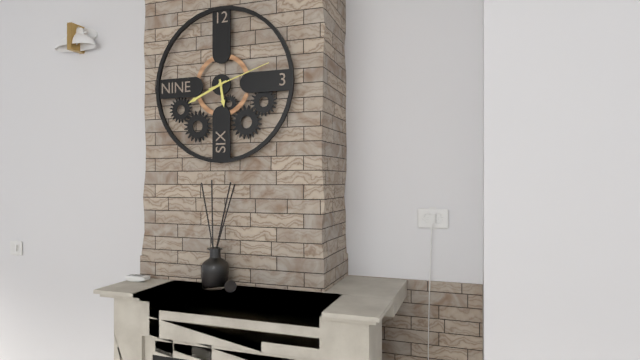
5:41:12
